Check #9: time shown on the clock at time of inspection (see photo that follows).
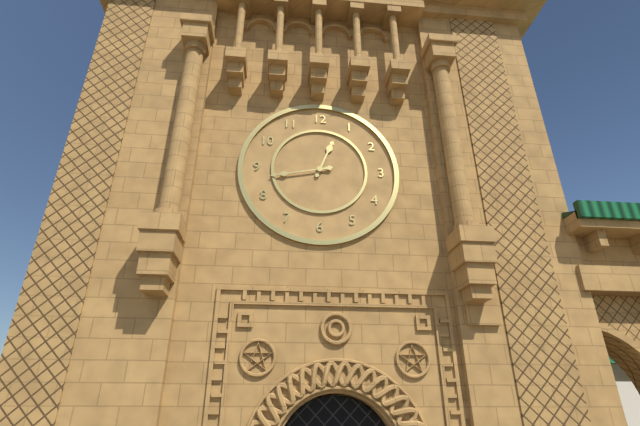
12:43
